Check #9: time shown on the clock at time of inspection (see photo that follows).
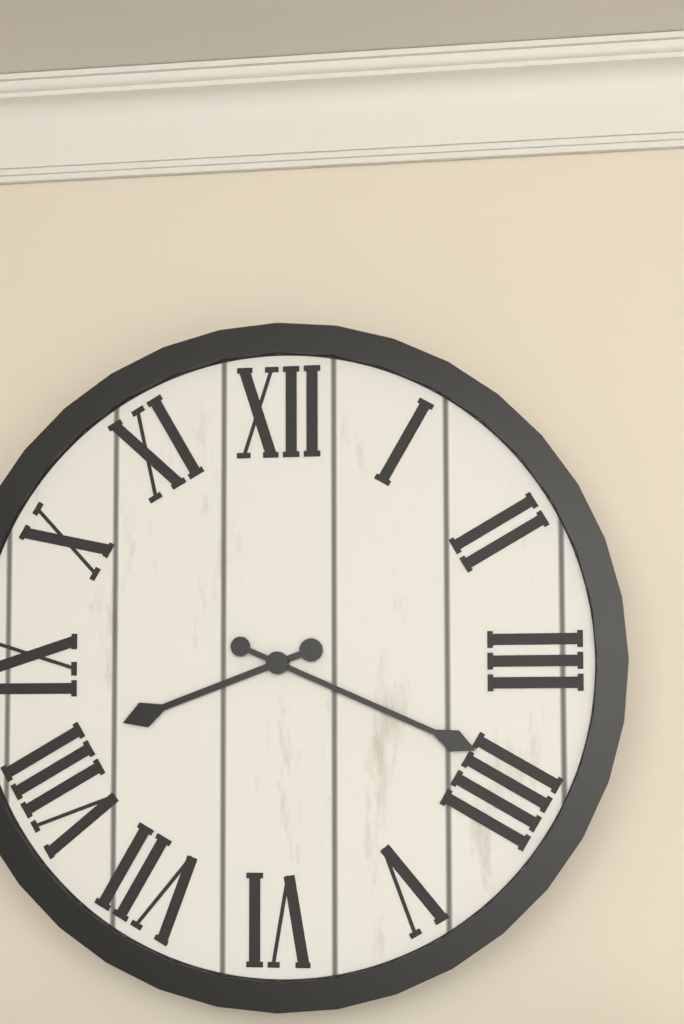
8:19
